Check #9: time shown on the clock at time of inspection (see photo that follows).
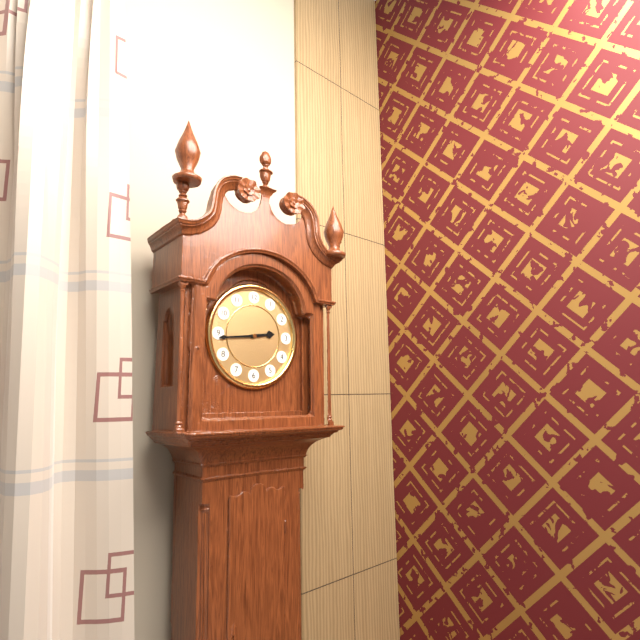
2:44
